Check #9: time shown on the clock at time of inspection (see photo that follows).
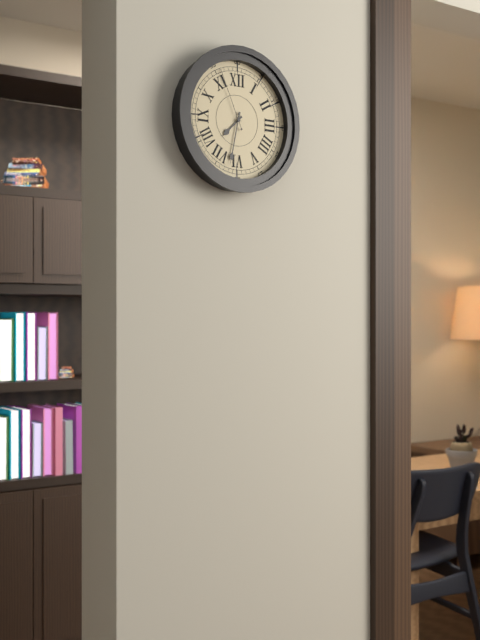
7:32:56
